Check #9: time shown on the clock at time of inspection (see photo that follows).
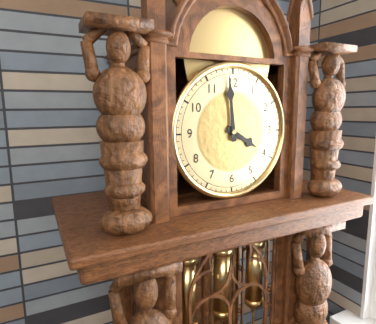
3:59
